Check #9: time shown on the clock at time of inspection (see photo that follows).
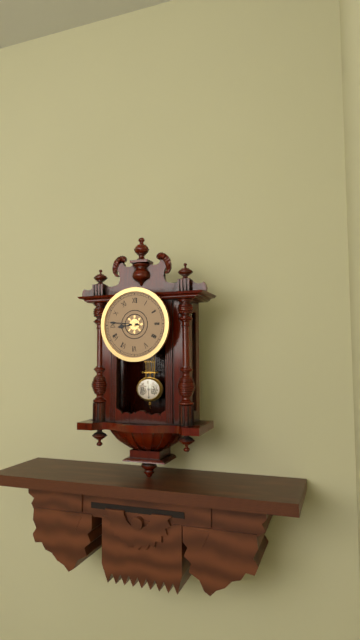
8:46
